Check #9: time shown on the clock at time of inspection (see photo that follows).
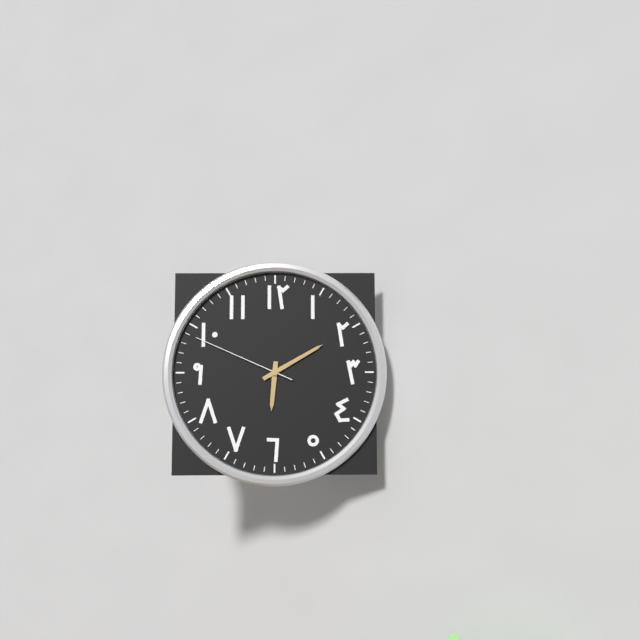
6:10:49
